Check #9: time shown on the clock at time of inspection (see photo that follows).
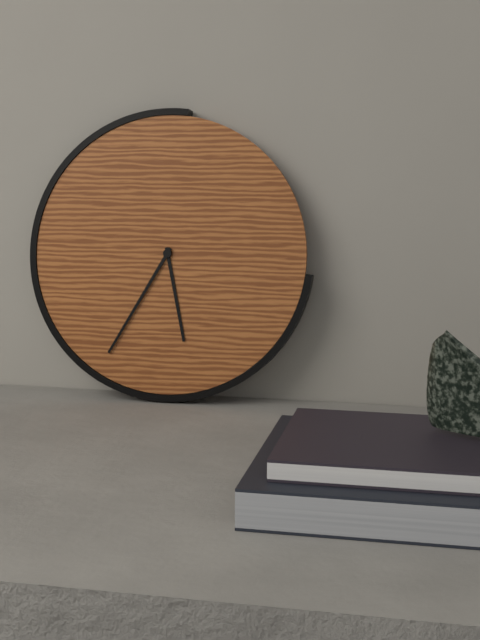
5:35
